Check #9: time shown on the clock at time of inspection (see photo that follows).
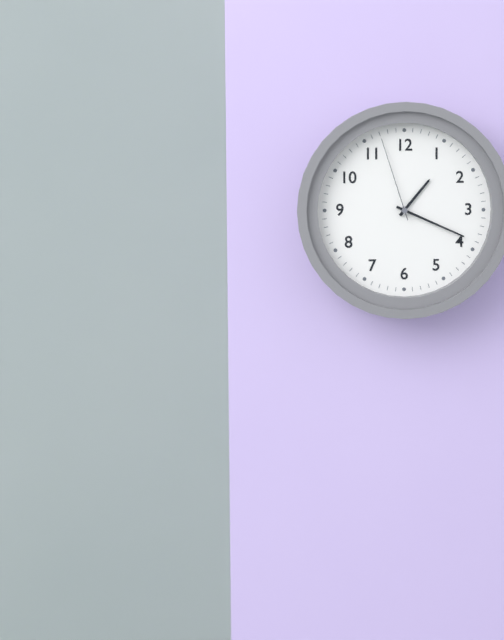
1:19:57
